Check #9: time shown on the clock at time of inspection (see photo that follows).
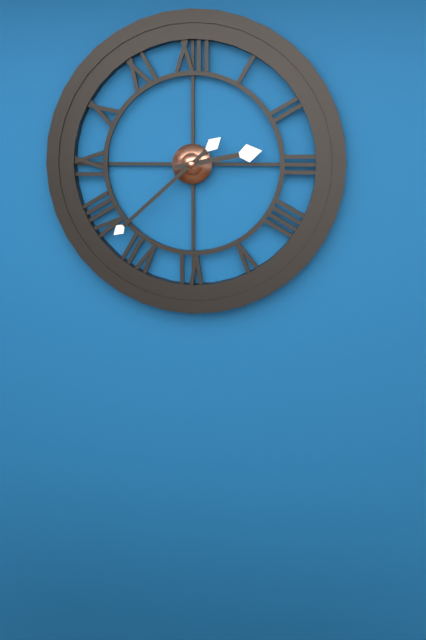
2:38
